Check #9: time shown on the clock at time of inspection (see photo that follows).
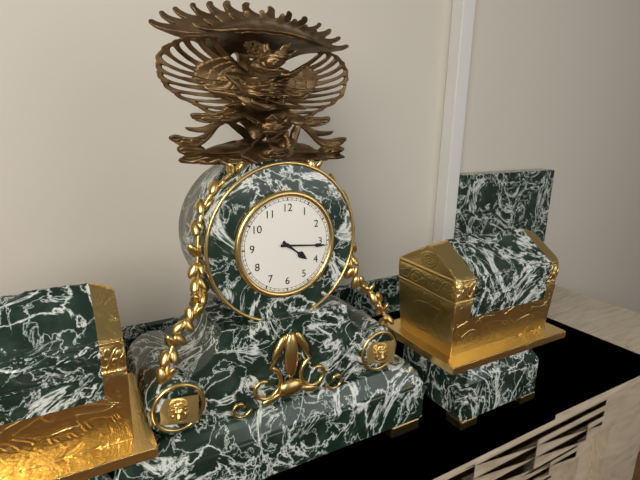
4:16
